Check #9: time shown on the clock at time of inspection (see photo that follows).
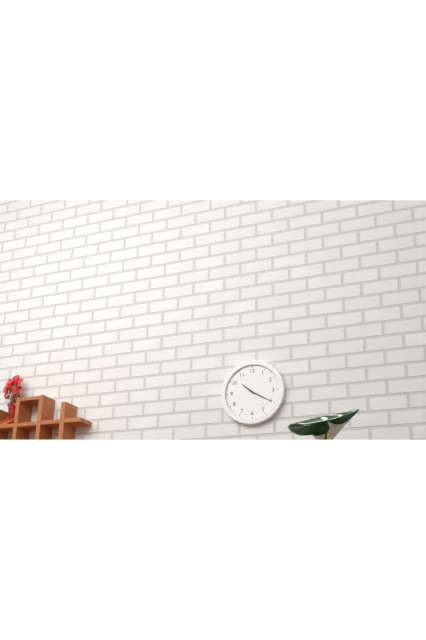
10:20
